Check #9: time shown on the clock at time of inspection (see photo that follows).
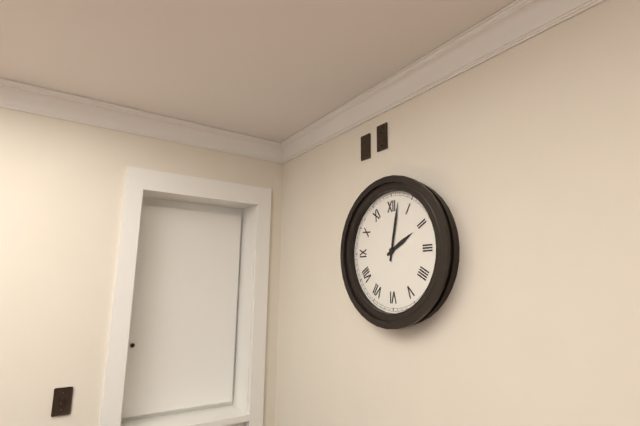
2:02
